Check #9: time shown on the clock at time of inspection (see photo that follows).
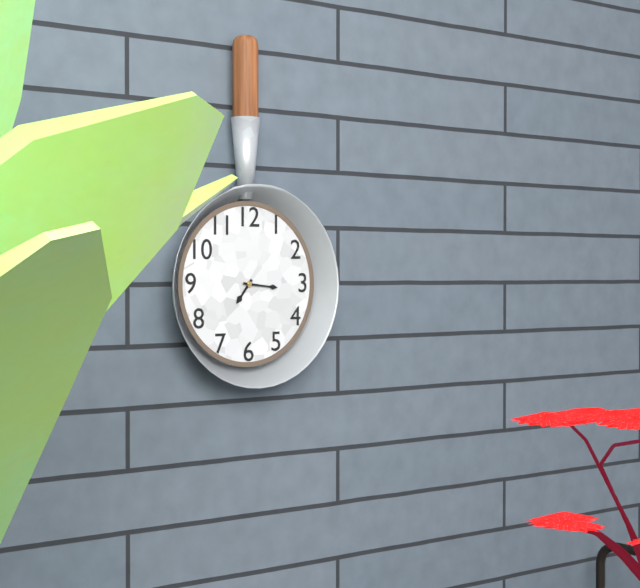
7:16
